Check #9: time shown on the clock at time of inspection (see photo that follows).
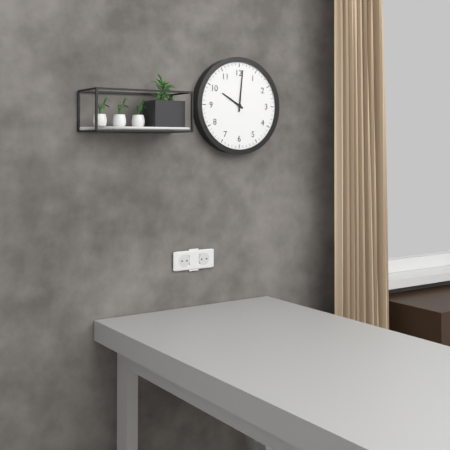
10:01
